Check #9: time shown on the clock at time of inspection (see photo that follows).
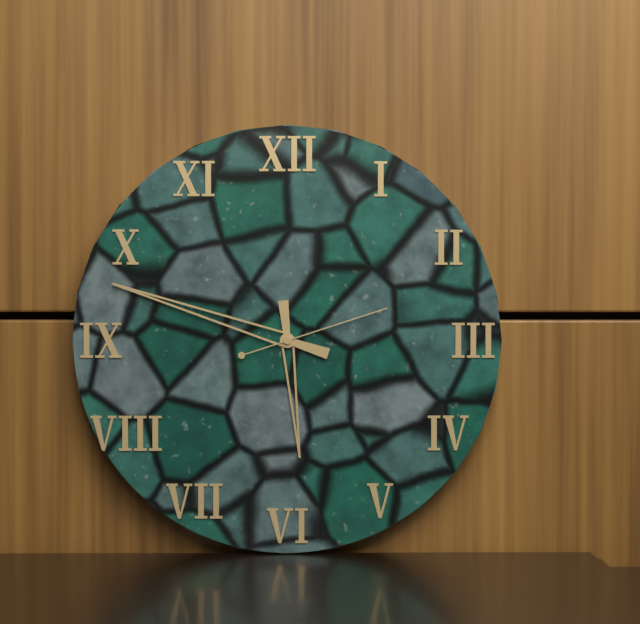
5:48:12
